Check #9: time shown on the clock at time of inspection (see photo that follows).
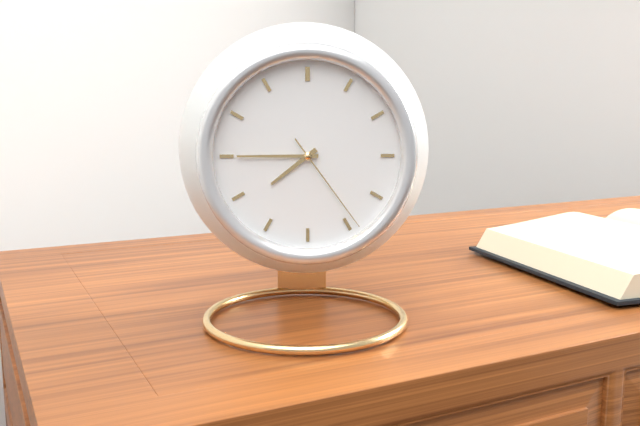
7:45:24
